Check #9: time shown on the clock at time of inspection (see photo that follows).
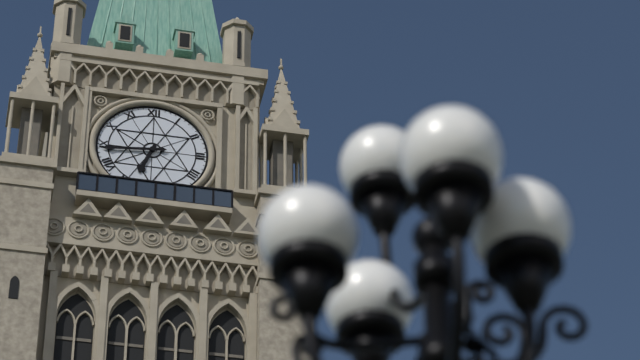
6:44
